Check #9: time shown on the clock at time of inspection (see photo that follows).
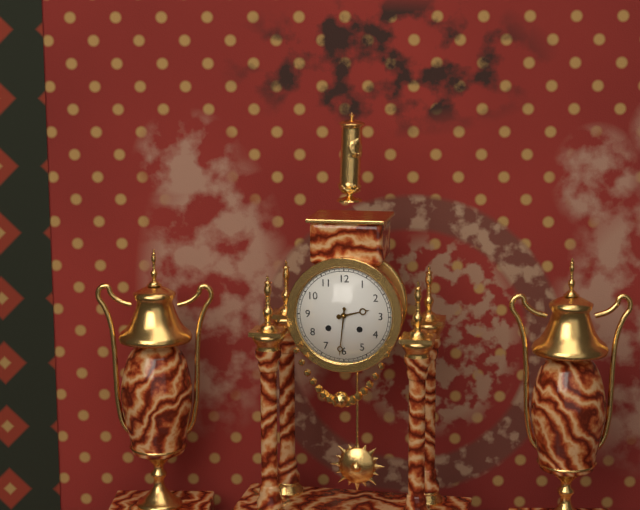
2:31
